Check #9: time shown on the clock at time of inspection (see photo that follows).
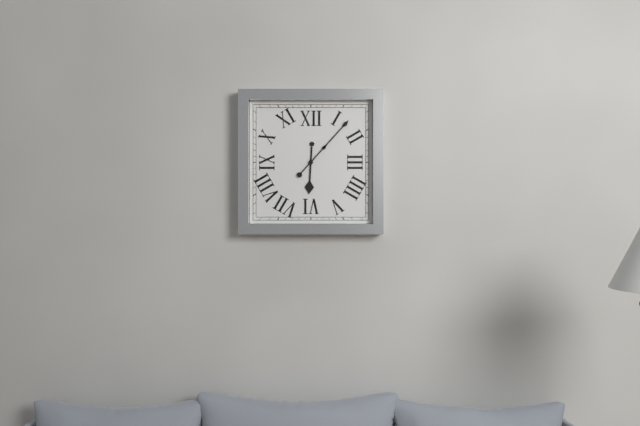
6:07
